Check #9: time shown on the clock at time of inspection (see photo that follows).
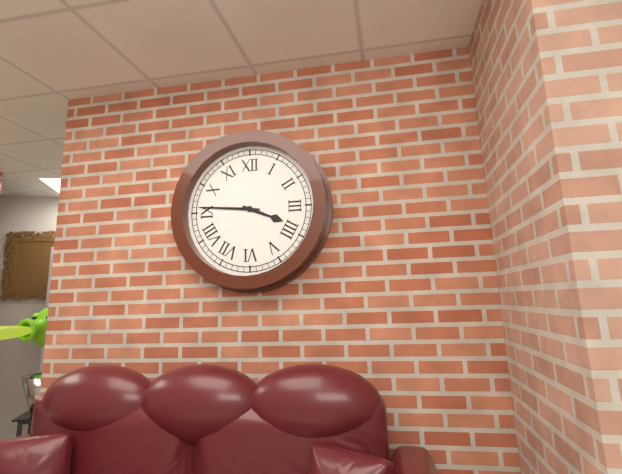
3:46
